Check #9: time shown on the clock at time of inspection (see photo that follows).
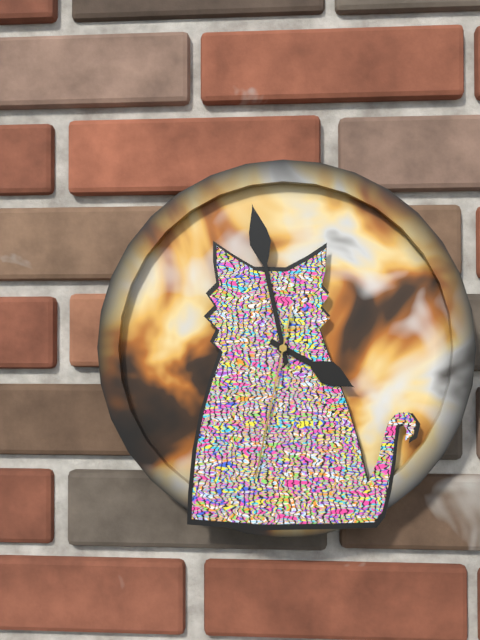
3:58:32
